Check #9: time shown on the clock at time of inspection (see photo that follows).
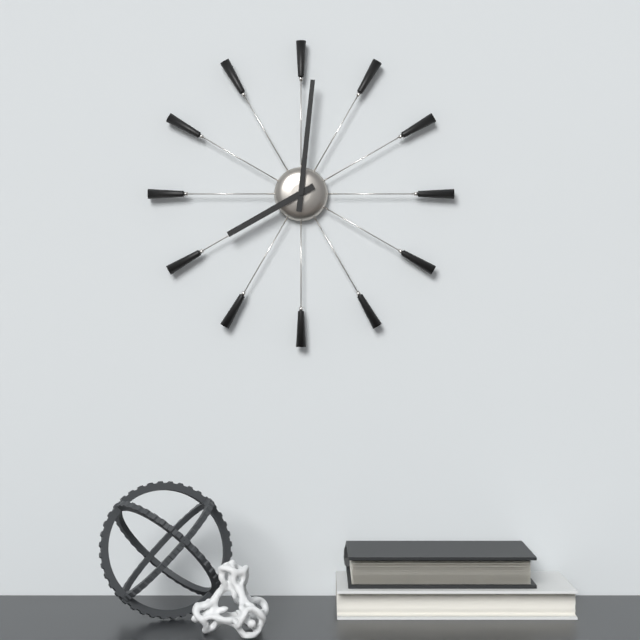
8:01
